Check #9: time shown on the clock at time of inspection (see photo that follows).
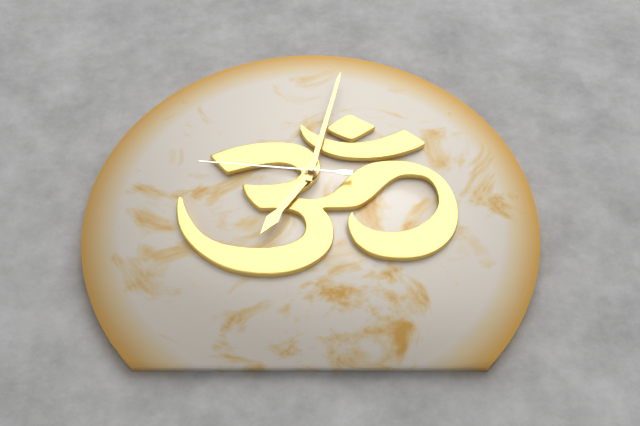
7:02:46
